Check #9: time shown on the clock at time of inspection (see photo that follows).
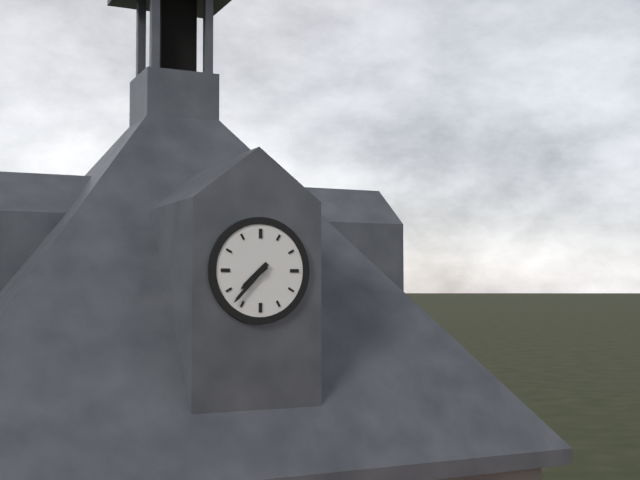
7:37
